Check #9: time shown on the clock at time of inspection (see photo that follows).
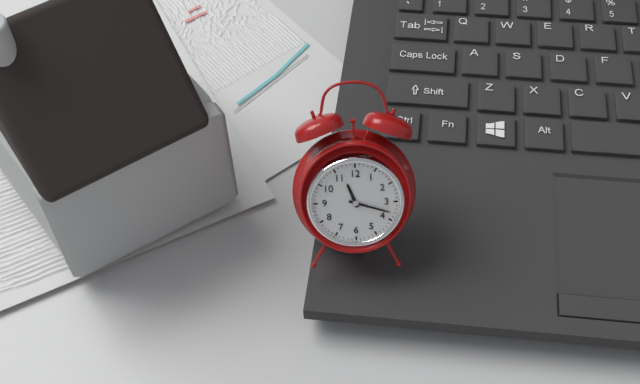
11:18
